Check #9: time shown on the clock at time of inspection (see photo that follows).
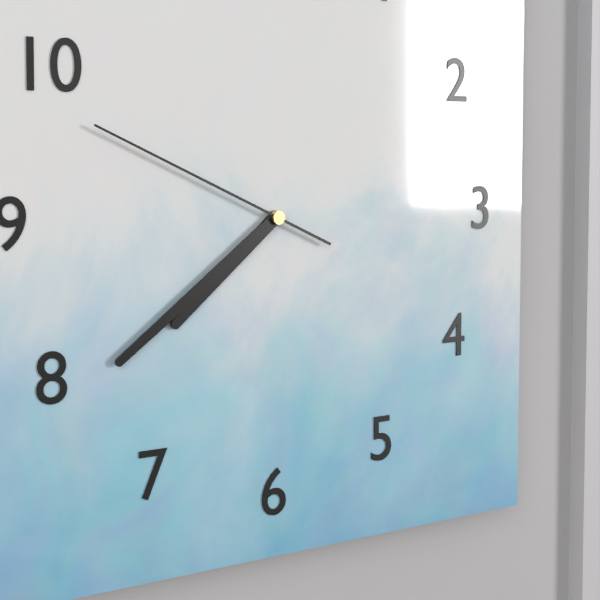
7:39:49
